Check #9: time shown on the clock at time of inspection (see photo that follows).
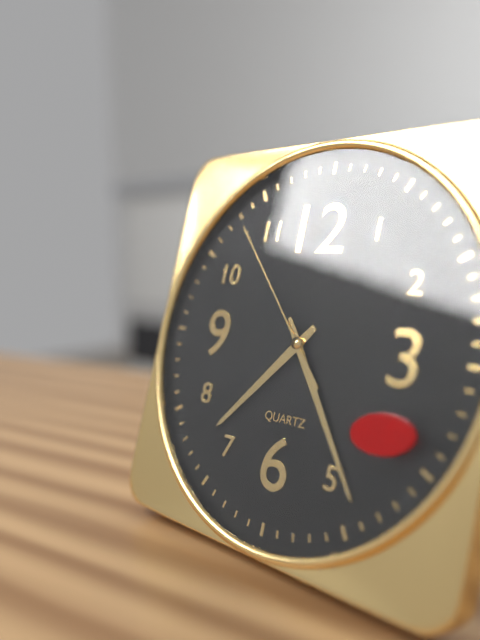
7:24:53
